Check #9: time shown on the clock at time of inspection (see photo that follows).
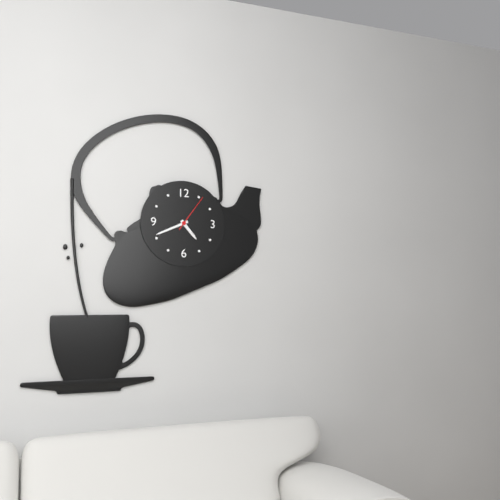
4:41
